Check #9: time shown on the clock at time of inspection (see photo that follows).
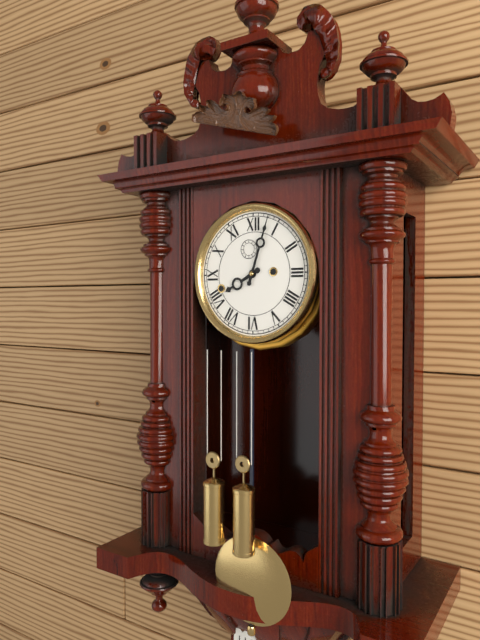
8:03
